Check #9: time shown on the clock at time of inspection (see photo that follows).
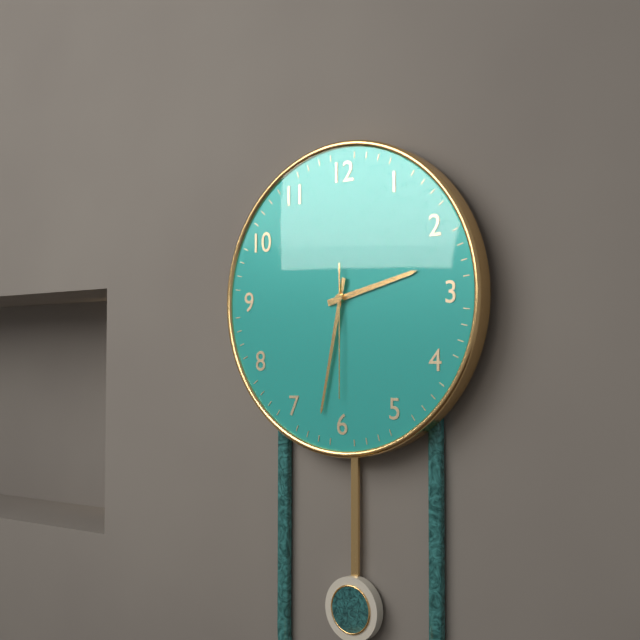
2:32:30
